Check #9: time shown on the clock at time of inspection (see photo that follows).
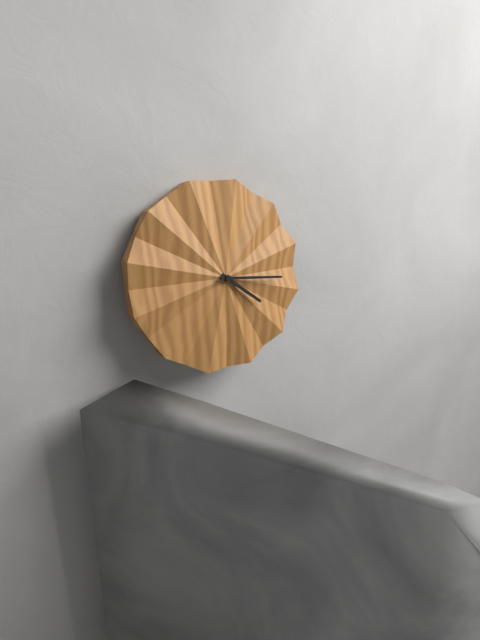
4:16
